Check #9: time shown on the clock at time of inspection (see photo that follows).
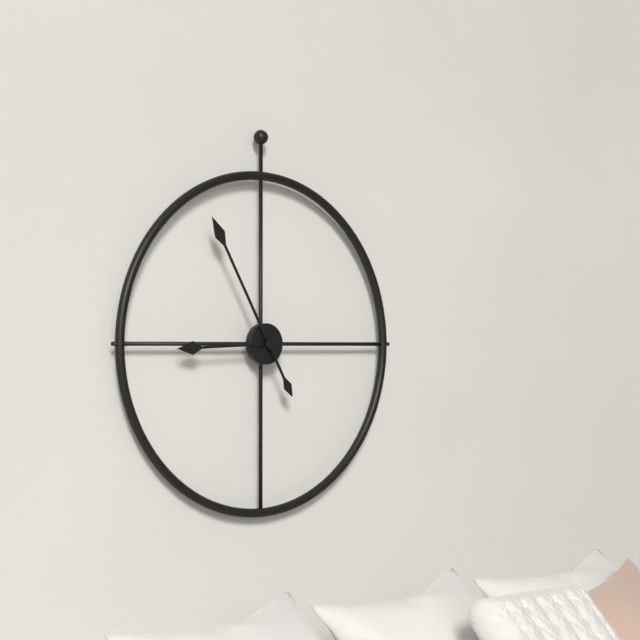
8:55
